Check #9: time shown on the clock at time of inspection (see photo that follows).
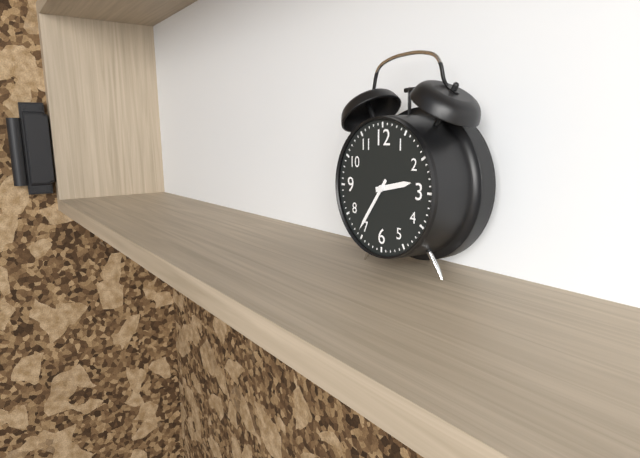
2:36
